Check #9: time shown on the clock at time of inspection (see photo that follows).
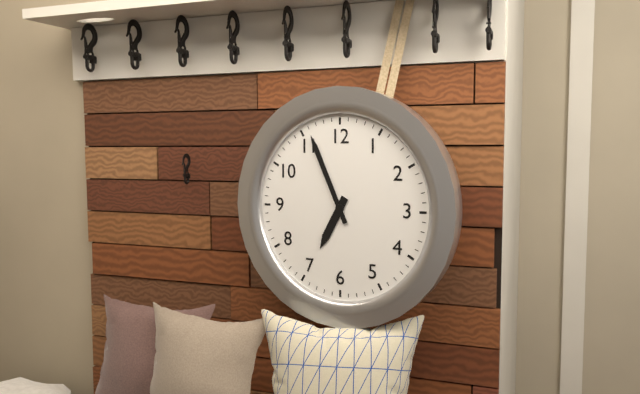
6:56
